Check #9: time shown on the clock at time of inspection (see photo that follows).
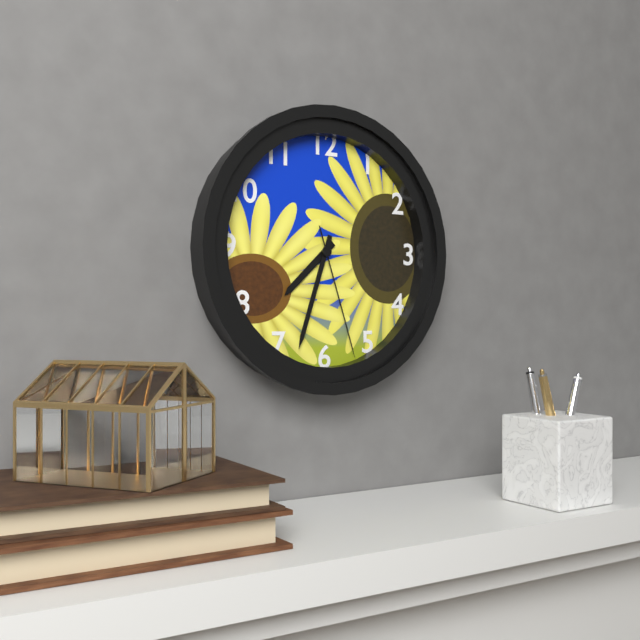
7:33:27
